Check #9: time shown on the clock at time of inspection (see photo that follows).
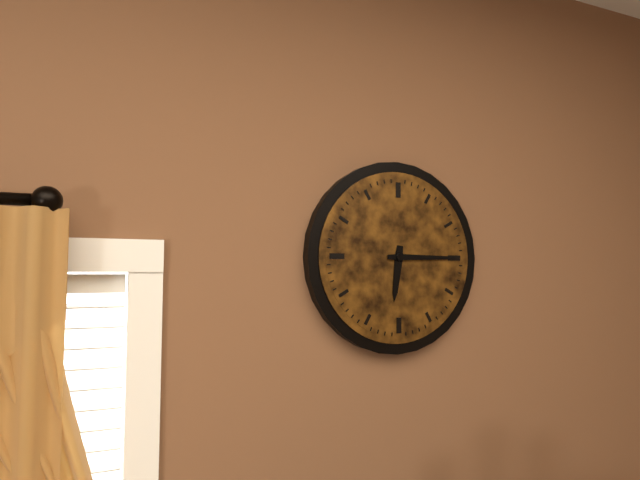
6:15
